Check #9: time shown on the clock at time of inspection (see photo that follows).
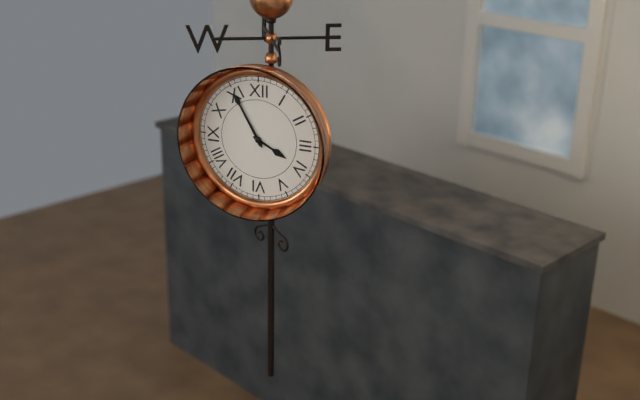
3:55
